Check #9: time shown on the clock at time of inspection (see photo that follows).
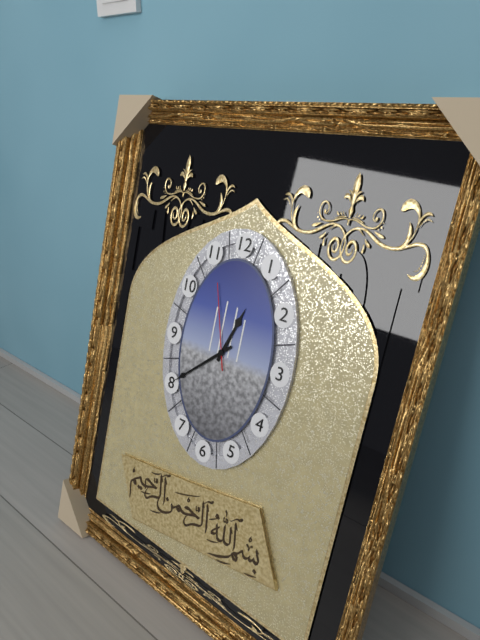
12:38:57
